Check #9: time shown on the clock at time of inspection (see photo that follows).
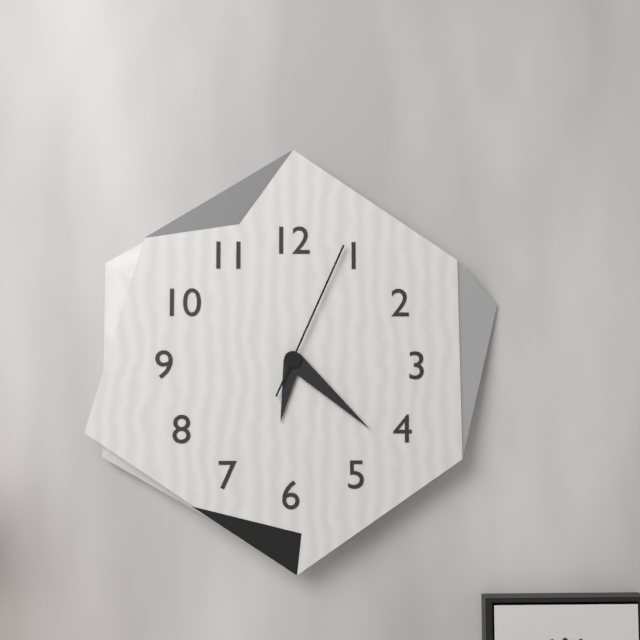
6:22:04
